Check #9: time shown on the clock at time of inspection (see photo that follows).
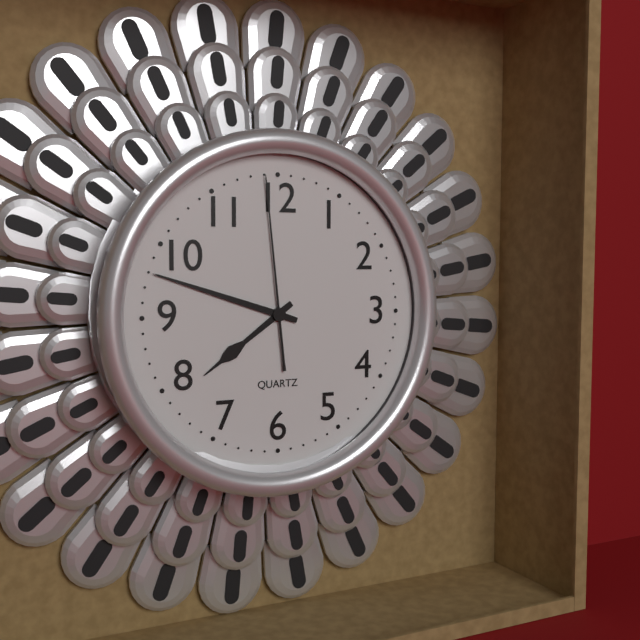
7:48:59
